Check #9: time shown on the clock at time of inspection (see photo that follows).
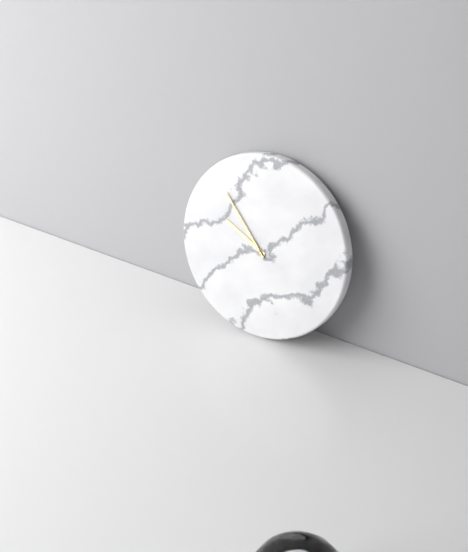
9:53
